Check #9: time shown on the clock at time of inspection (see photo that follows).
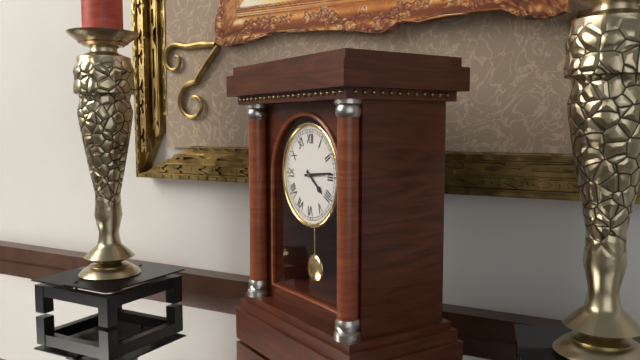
4:14
